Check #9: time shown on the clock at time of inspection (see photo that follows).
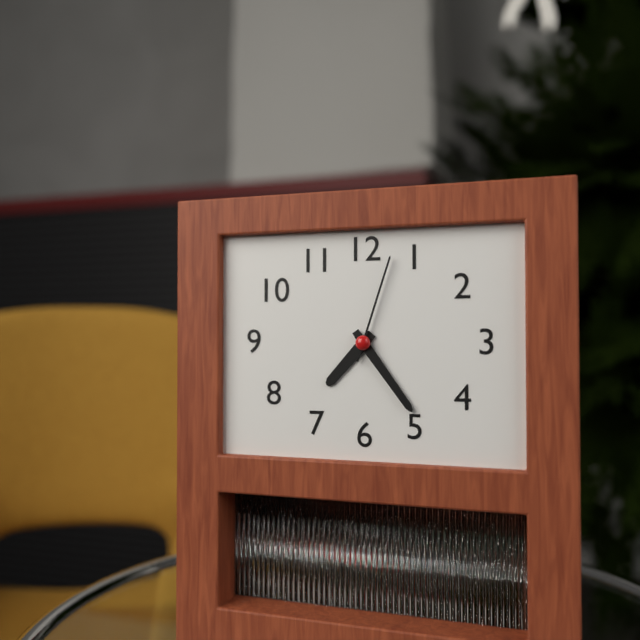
7:24:03
